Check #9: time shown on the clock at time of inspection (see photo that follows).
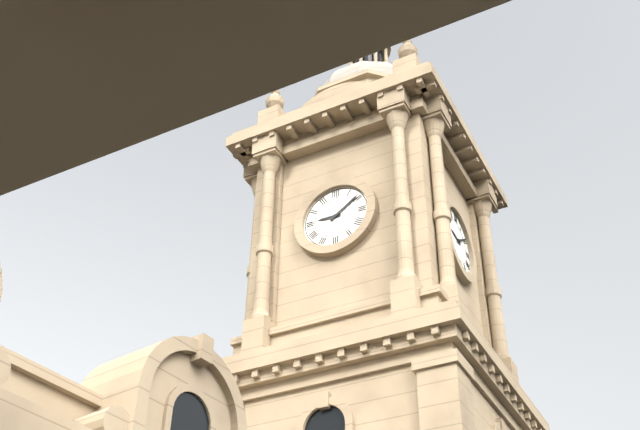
9:09
